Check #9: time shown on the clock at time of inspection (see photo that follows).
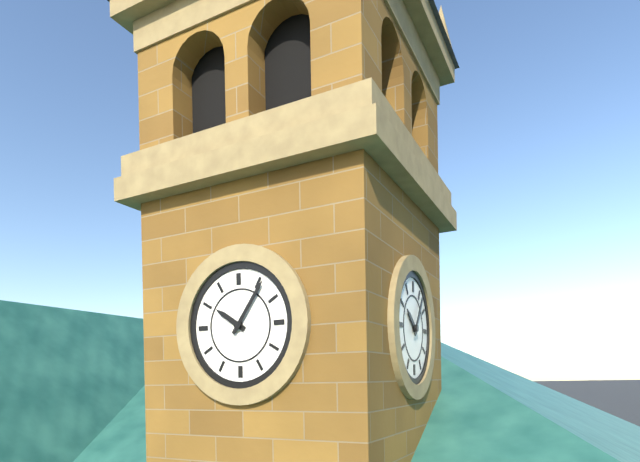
10:06
